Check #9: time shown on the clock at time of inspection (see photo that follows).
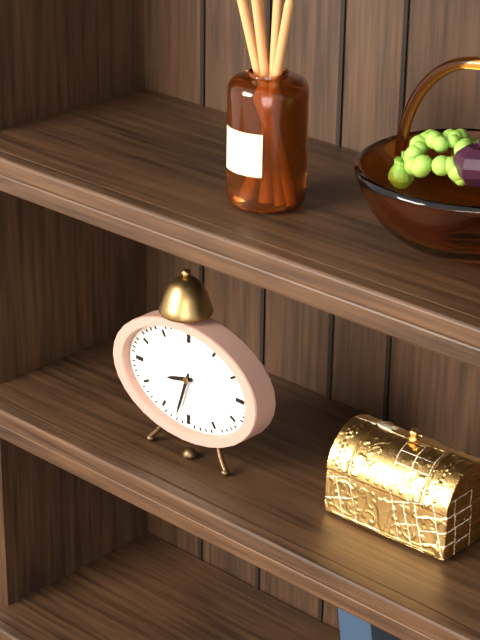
8:33
